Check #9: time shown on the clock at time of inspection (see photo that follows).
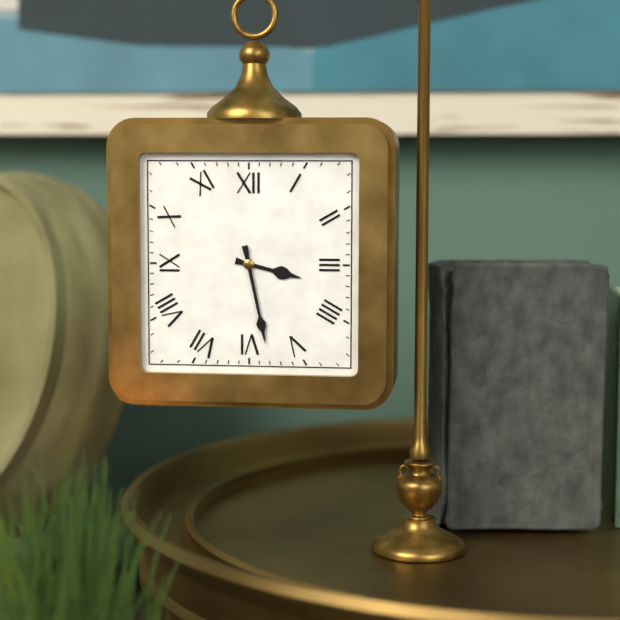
3:28
